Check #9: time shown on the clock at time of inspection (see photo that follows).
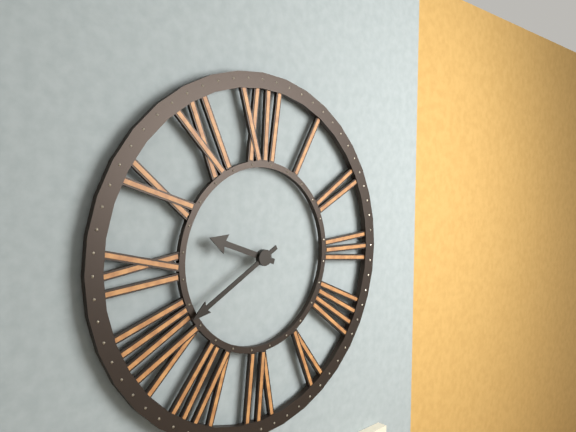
9:40
